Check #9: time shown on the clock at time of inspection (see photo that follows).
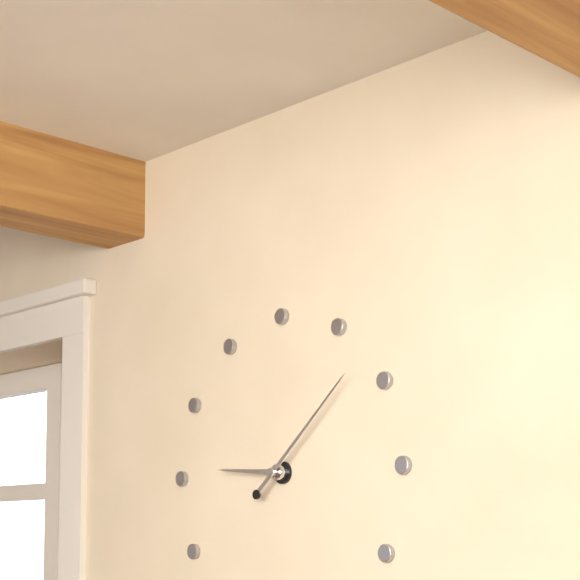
9:08
